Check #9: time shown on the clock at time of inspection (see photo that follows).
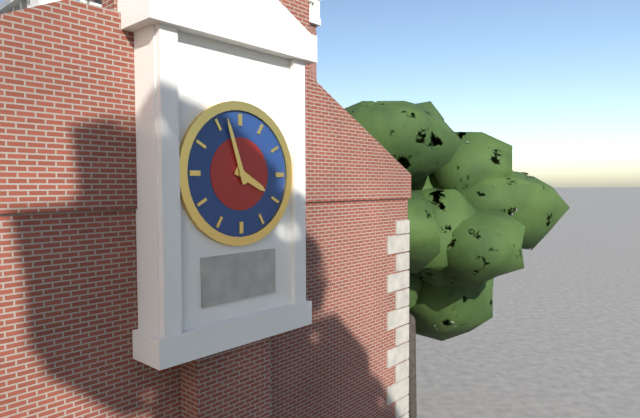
3:57
